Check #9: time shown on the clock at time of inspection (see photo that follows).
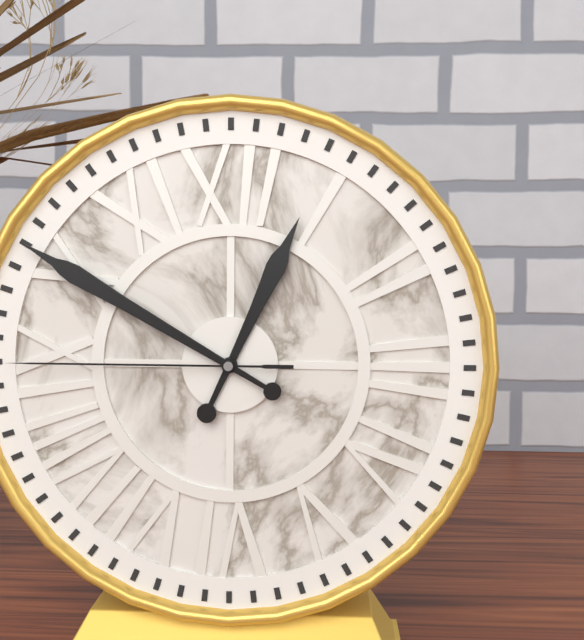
12:50:45
